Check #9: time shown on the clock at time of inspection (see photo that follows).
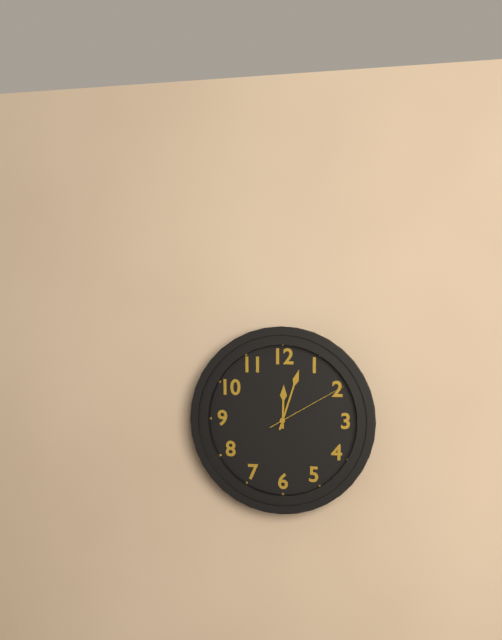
12:03:10
